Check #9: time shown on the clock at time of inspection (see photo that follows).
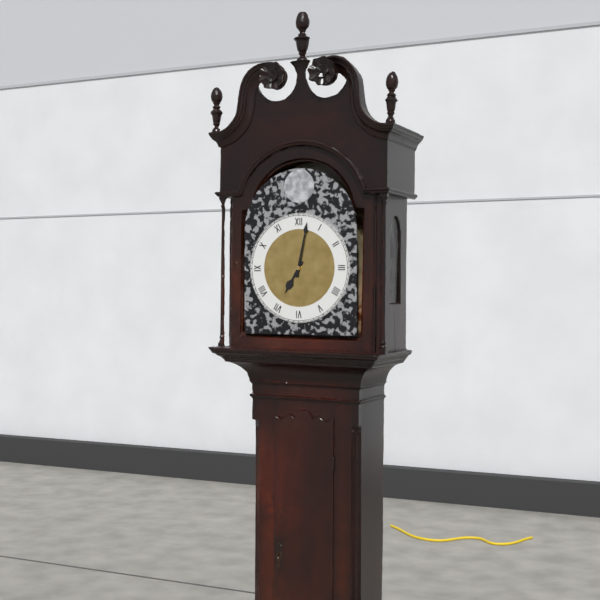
7:02
